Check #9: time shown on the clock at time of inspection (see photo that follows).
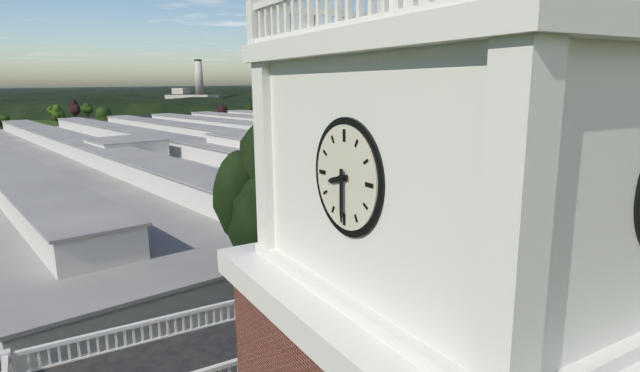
8:30
